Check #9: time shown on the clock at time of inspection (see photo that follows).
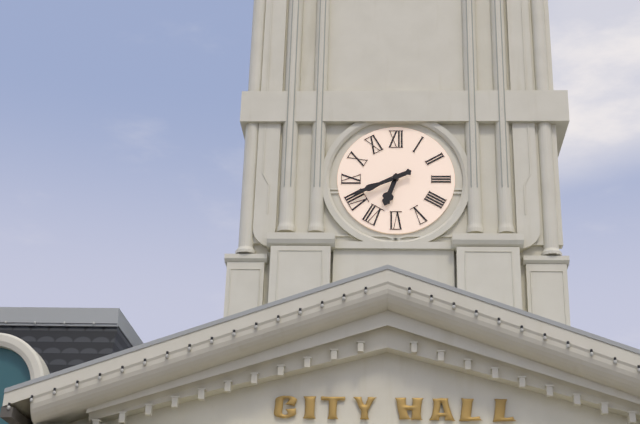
6:41
